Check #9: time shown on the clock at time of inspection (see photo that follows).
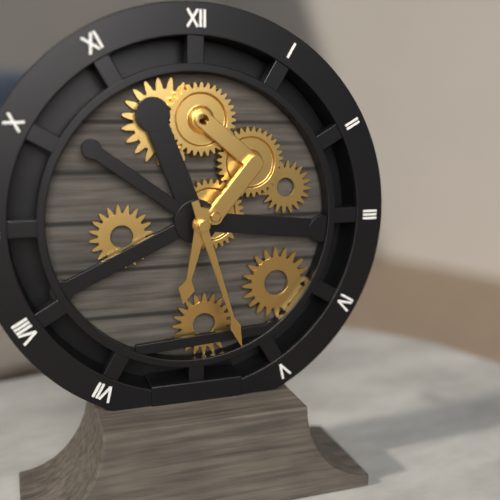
6:27
